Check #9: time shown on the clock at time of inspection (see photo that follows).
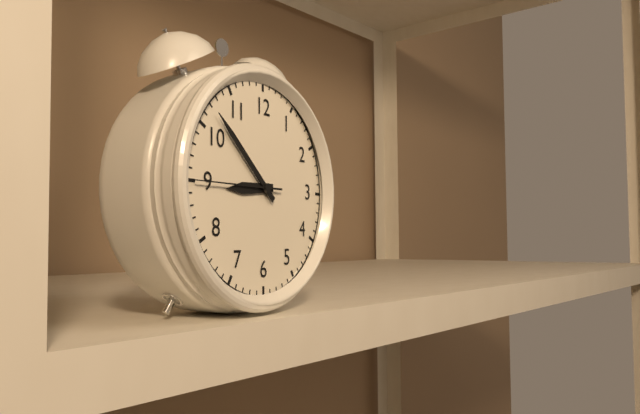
8:52:45
